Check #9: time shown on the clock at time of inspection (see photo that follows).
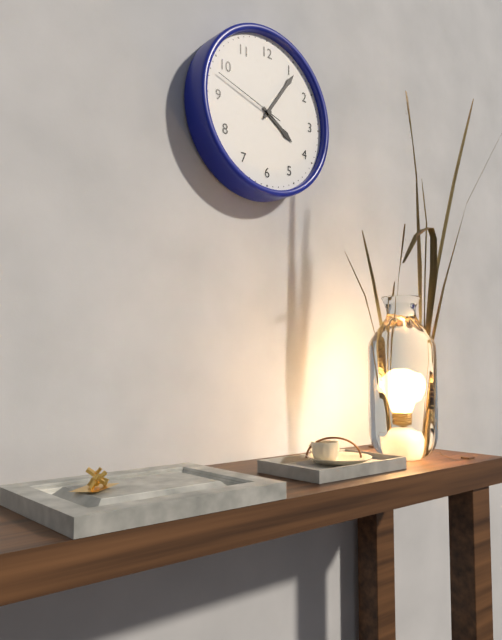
4:06:48
